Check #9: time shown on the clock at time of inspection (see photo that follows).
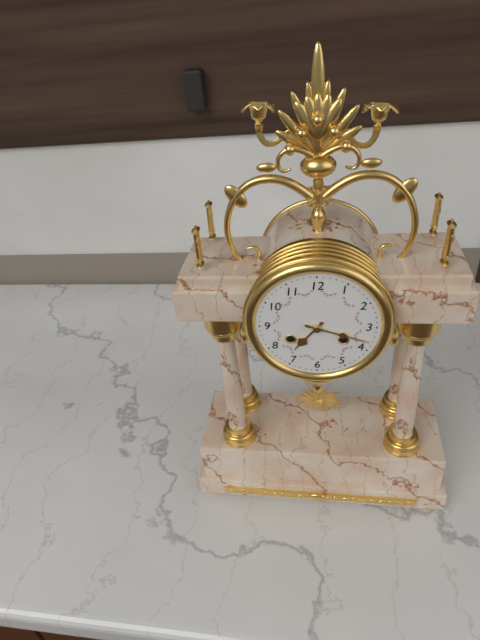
7:18
